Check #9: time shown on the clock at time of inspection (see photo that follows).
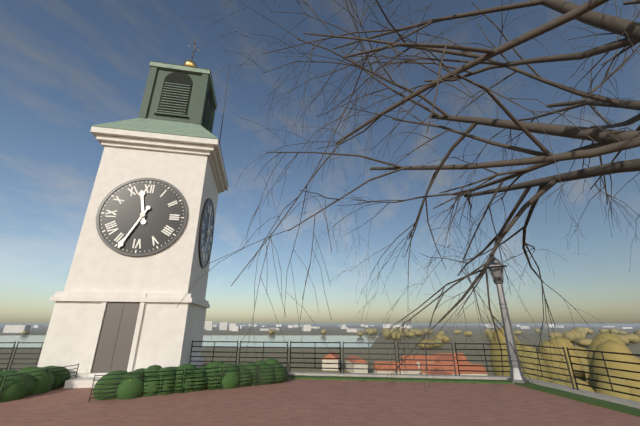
11:34
